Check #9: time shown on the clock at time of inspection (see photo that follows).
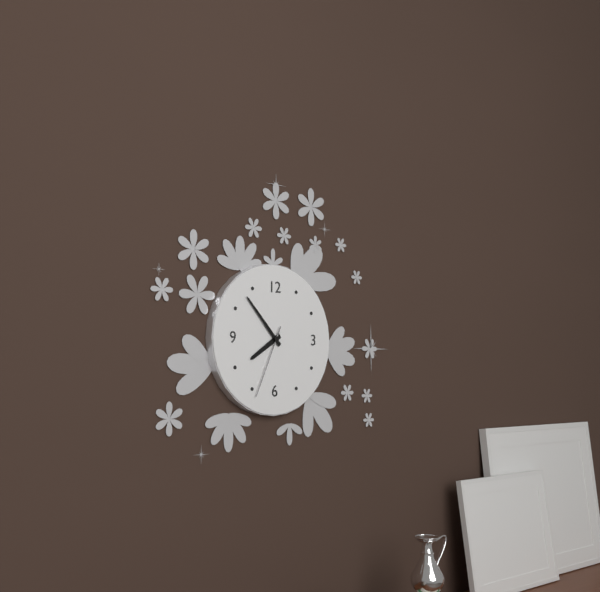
7:53:34
